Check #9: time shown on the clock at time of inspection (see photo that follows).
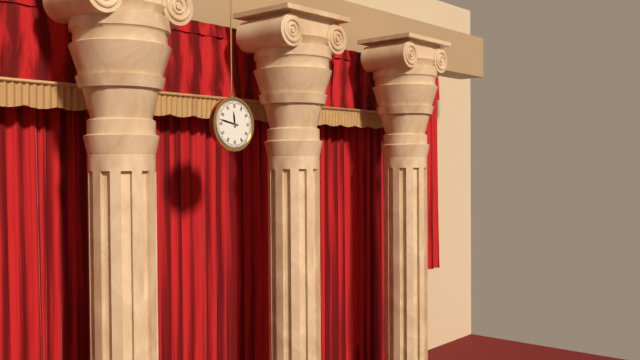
11:47
